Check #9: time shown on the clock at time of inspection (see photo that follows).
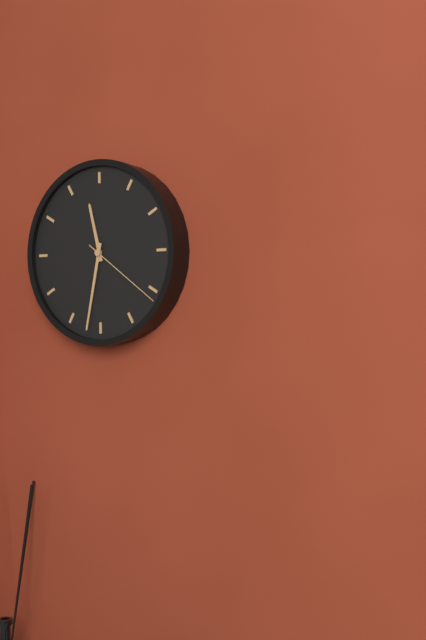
11:32:21
